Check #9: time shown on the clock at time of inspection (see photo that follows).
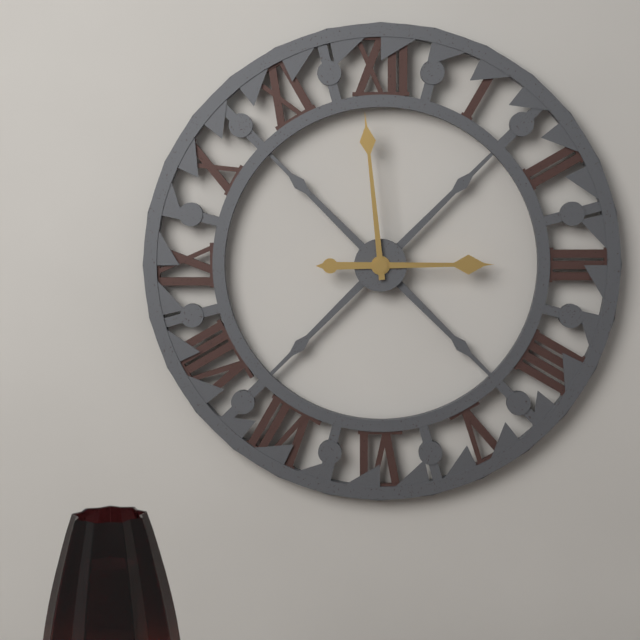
2:59
